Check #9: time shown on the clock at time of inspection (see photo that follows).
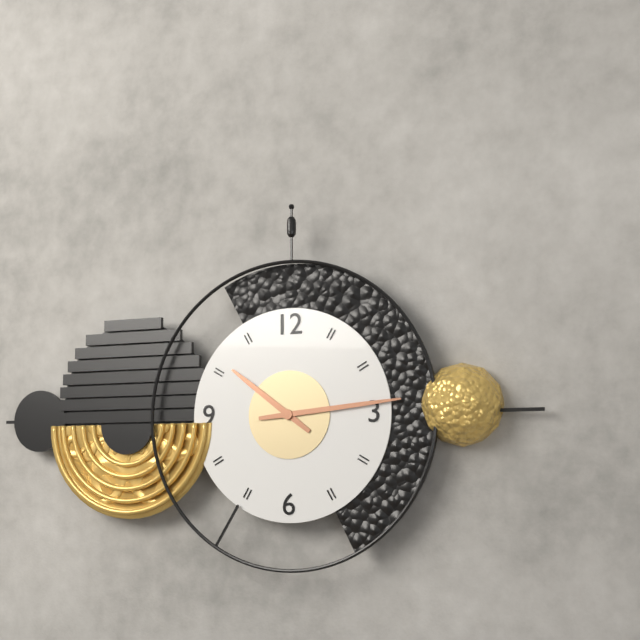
10:14
